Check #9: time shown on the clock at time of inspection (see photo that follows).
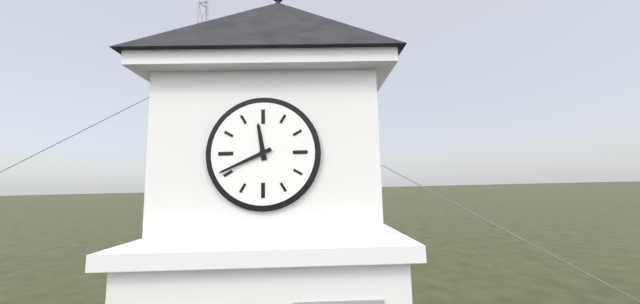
11:41
